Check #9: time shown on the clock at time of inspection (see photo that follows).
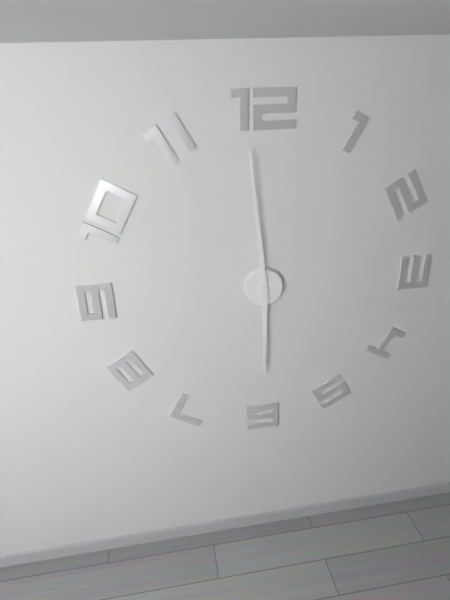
5:59
